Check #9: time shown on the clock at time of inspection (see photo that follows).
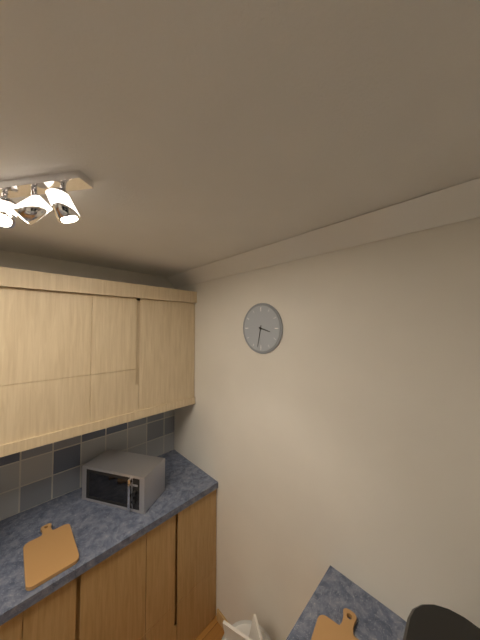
3:32
